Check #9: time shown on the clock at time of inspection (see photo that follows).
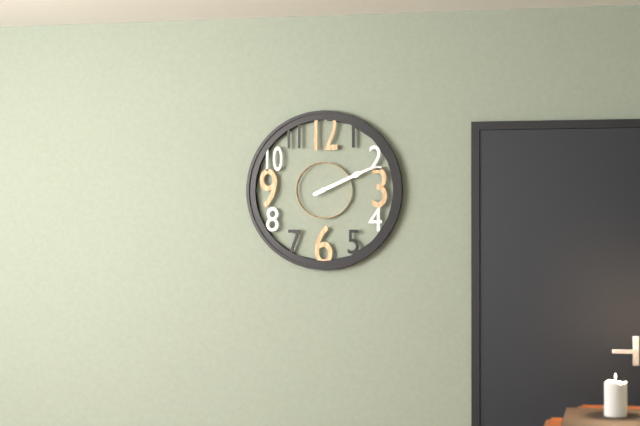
2:11
